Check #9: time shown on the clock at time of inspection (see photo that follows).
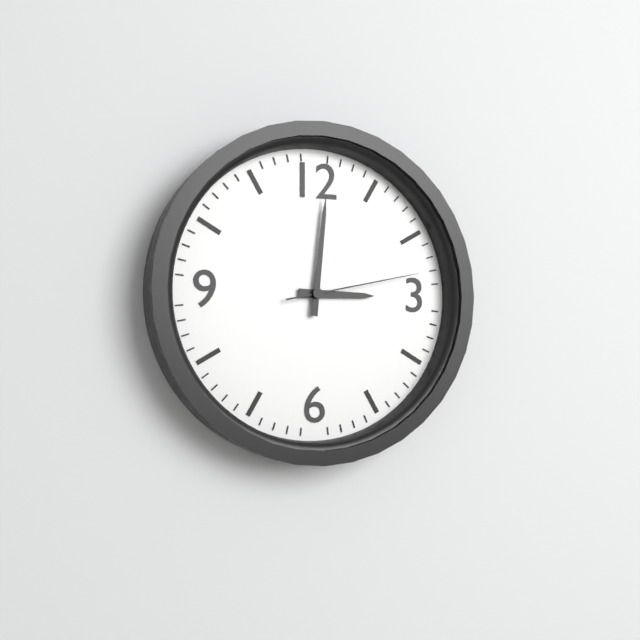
3:01:13
